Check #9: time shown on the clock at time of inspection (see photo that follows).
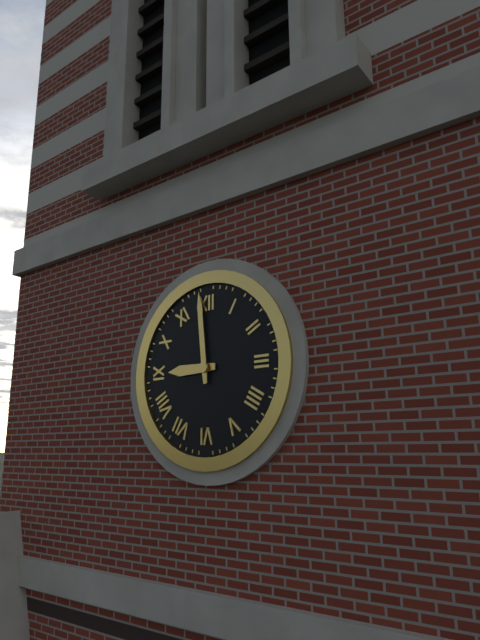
8:59
